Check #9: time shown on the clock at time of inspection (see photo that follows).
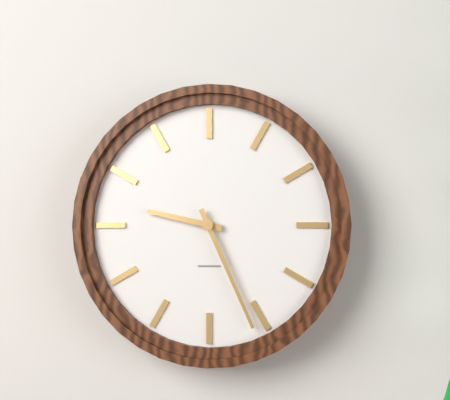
9:26
